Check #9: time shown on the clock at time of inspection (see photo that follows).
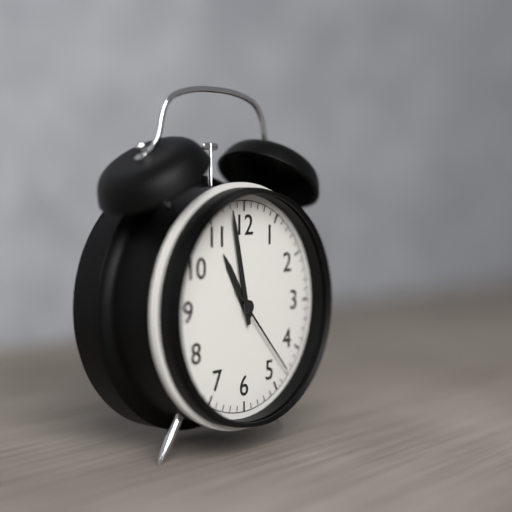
10:58:23
